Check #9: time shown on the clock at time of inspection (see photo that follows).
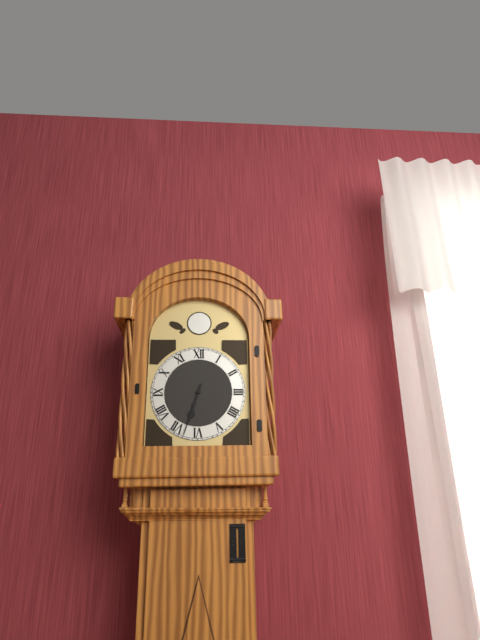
6:33
